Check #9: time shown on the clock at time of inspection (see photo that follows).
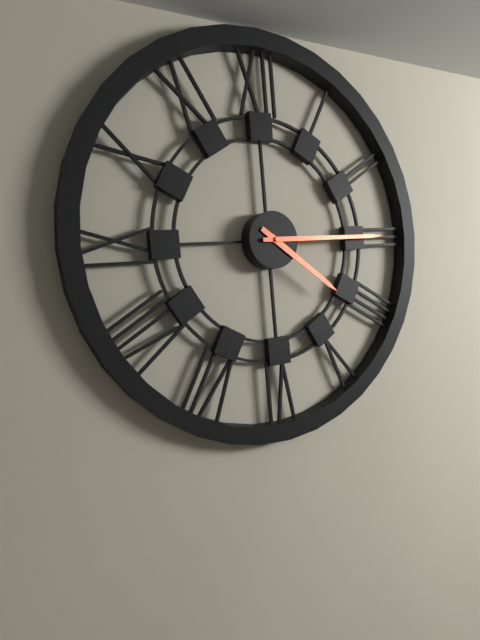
4:15
